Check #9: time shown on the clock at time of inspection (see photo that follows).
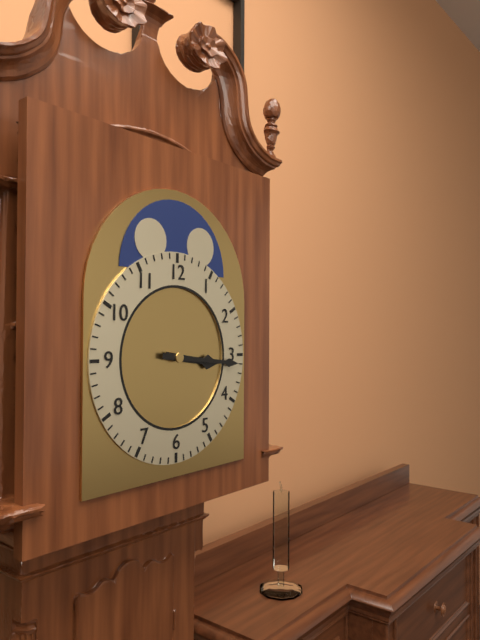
3:16
